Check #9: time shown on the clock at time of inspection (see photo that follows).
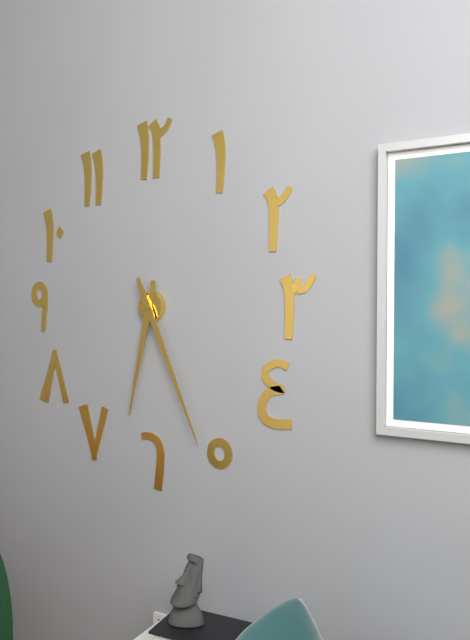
6:26
